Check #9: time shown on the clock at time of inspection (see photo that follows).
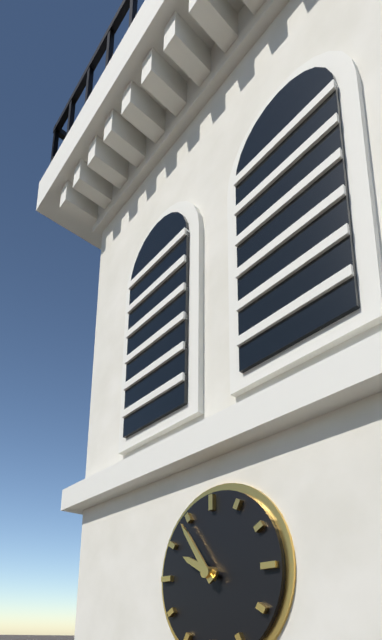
9:54
